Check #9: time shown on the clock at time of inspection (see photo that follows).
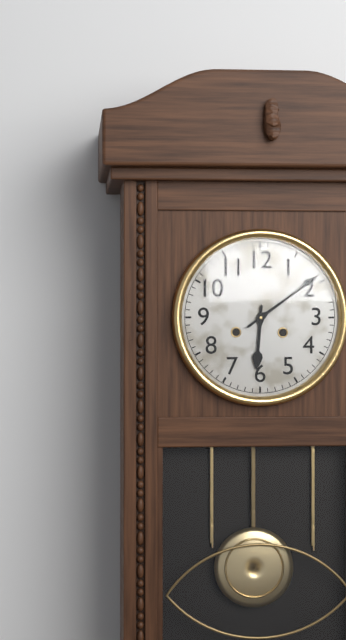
6:09
